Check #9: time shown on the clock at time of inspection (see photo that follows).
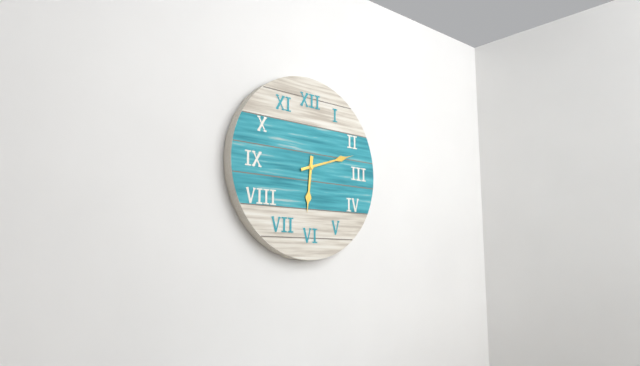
6:12
